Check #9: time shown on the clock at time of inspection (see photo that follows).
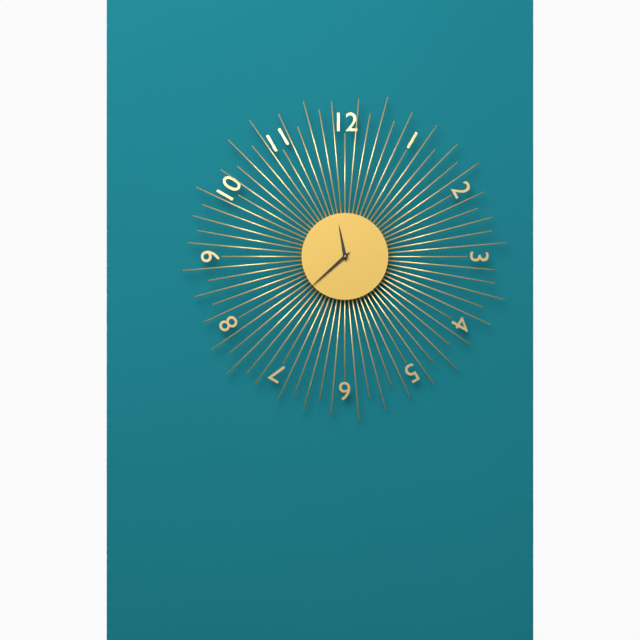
11:38
